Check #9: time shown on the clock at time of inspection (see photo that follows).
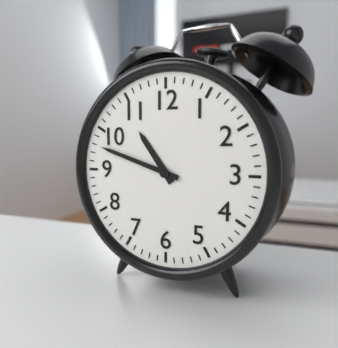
10:48
